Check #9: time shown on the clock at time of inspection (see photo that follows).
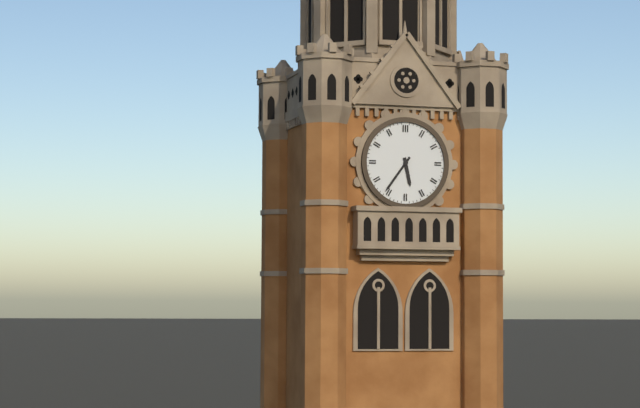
5:36
